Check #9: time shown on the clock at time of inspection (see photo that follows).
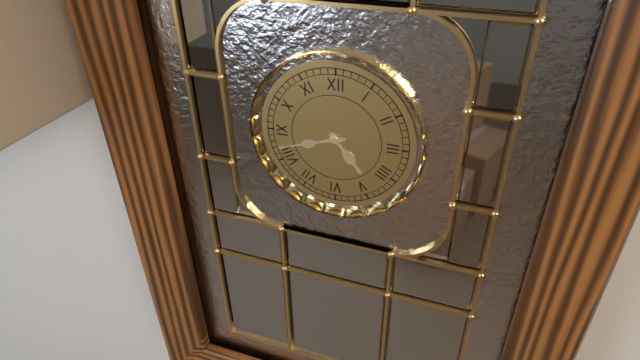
4:42
